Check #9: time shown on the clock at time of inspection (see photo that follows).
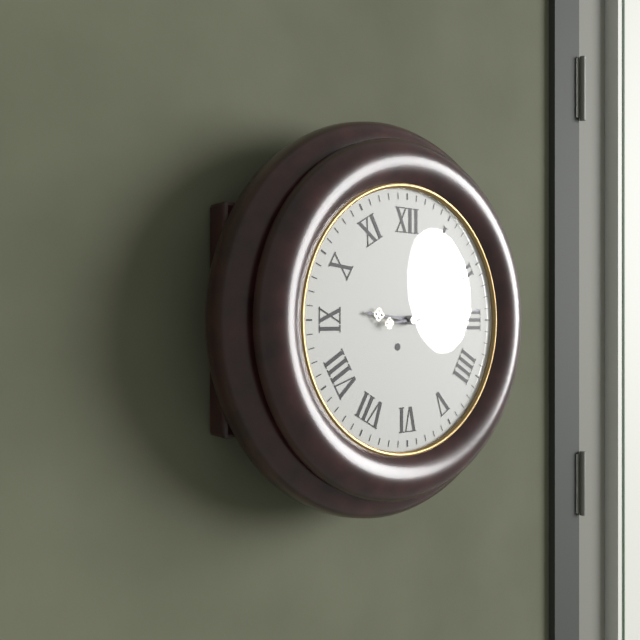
9:14
